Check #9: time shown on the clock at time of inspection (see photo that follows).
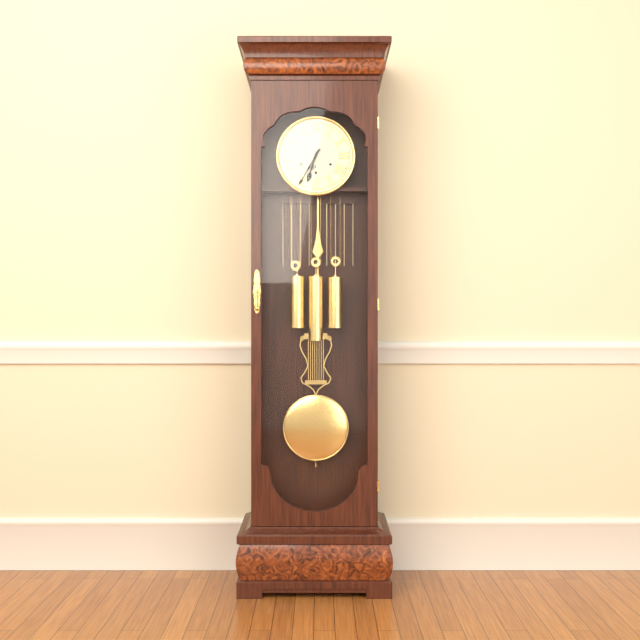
6:35
